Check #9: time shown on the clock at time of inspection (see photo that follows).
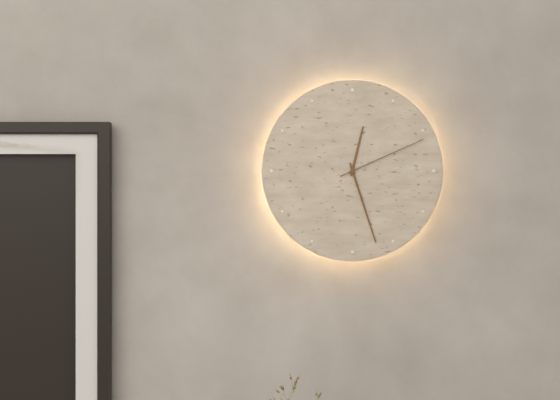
12:27:11
